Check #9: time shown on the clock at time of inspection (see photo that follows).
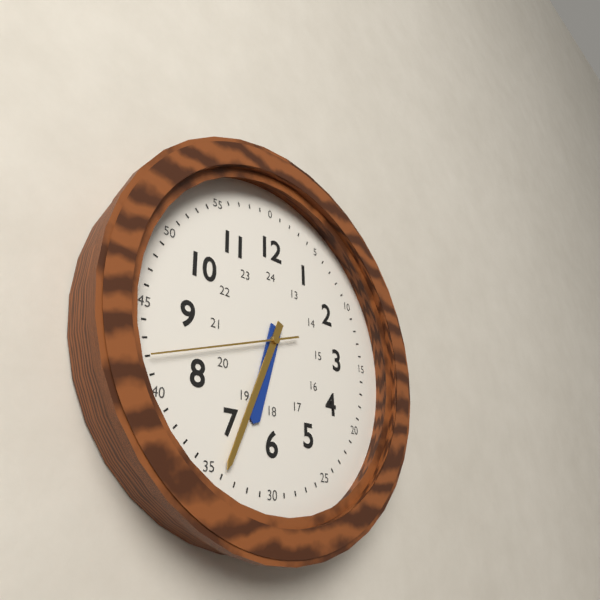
6:34:42
